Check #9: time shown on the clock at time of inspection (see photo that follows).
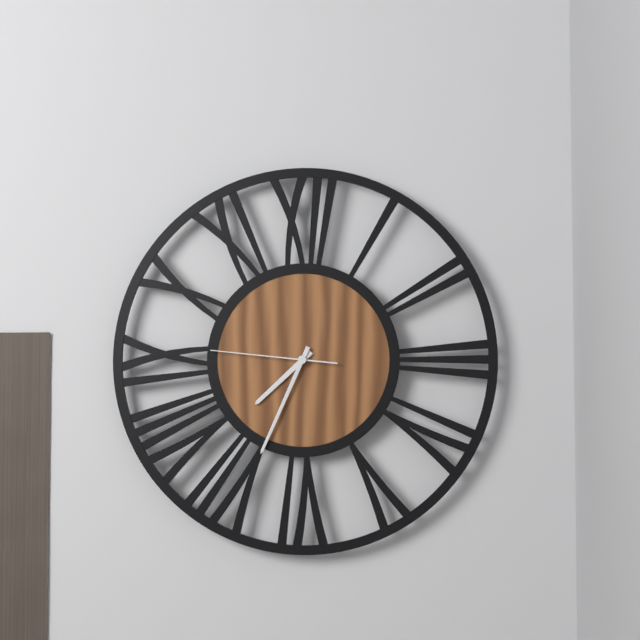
7:34:46
